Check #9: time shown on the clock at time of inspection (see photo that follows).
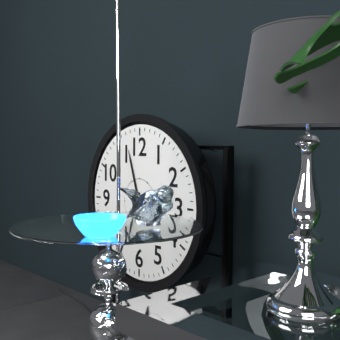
5:57
